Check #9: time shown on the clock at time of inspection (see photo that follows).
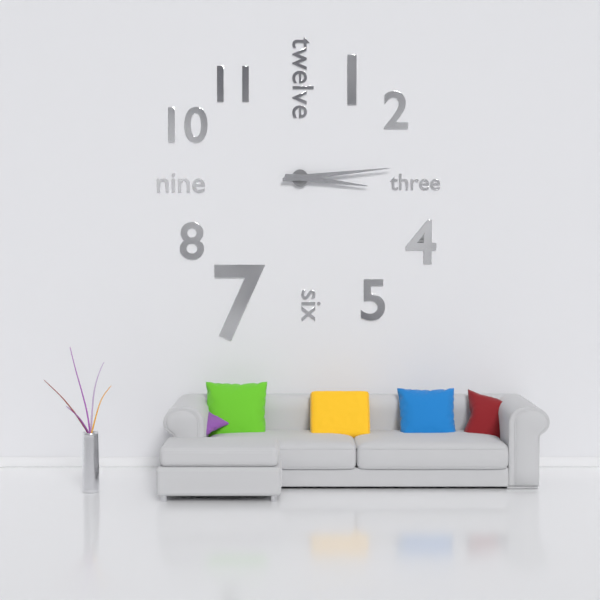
3:14
